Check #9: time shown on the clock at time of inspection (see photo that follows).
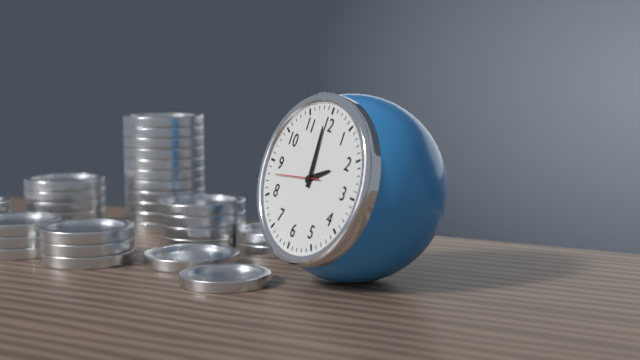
1:59:43
